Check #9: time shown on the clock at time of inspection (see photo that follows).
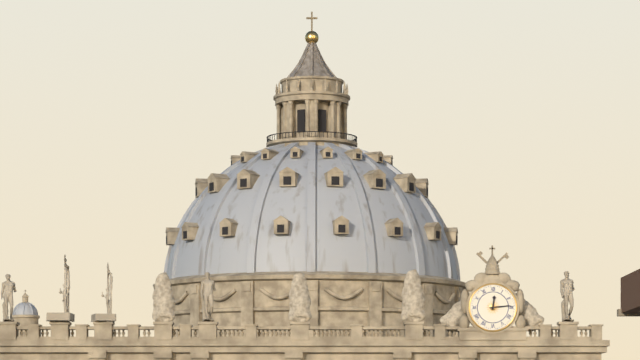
12:14
